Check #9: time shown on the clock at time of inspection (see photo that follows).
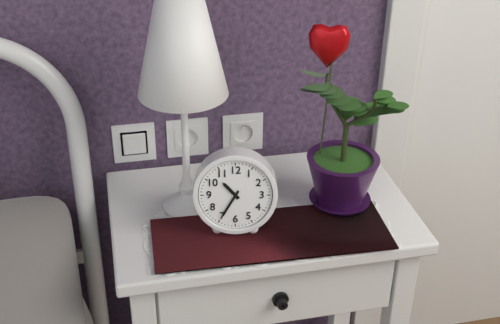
10:35
